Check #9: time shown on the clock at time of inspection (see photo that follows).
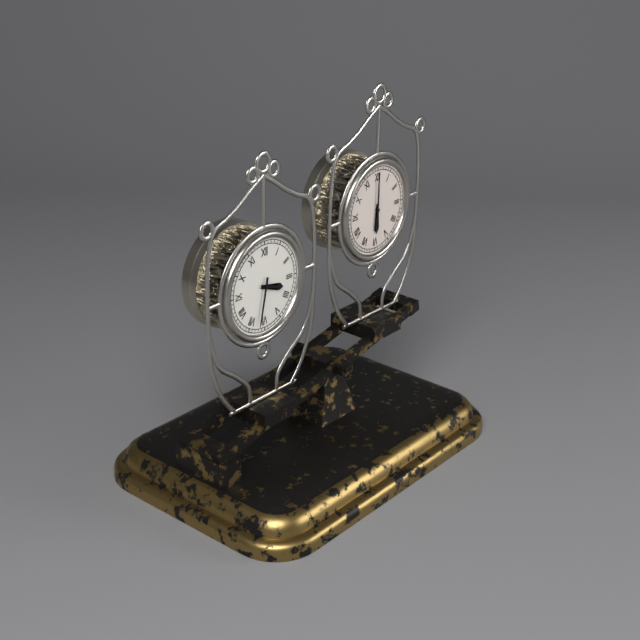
3:32
